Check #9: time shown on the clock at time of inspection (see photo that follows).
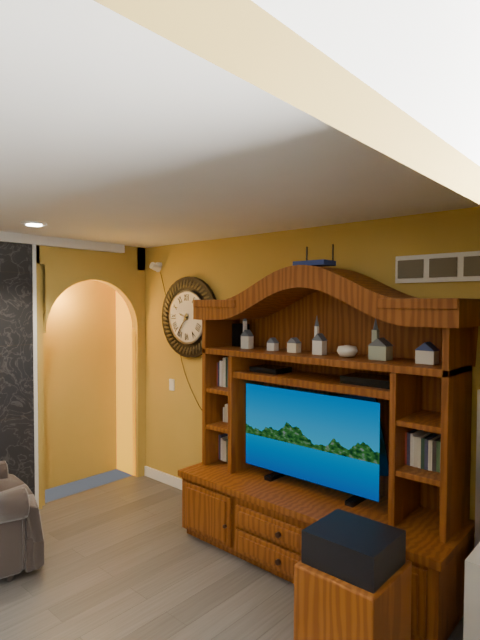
9:36
